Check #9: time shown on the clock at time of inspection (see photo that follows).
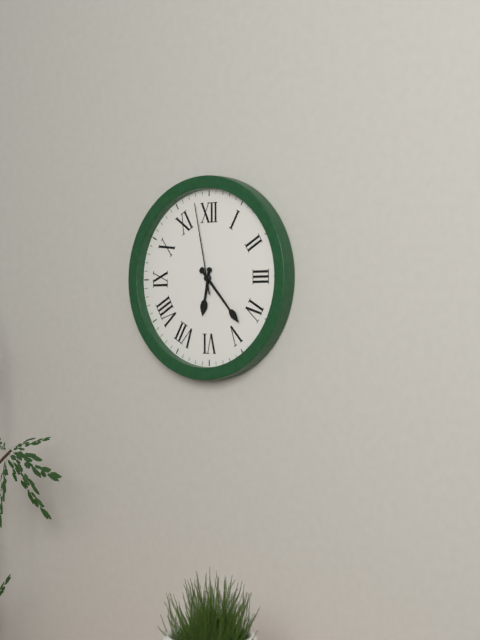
6:23:58
